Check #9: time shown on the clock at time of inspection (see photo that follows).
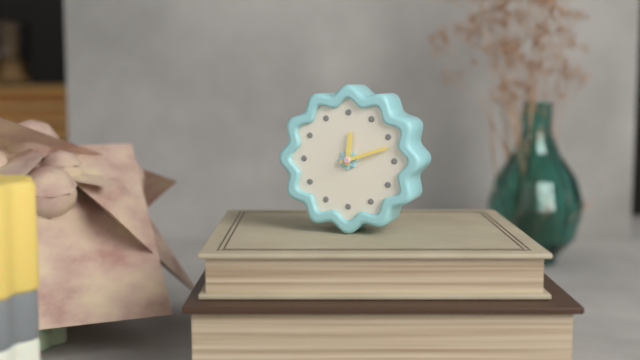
12:12
